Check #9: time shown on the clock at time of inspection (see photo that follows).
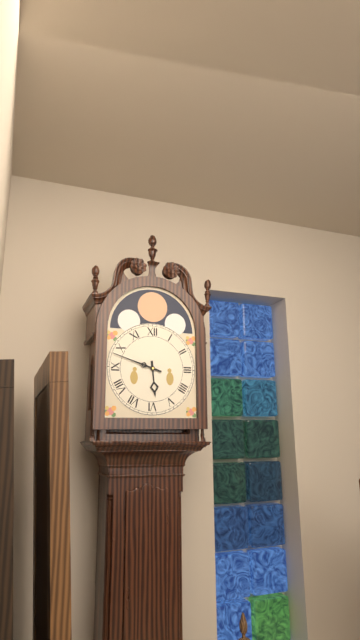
5:48
